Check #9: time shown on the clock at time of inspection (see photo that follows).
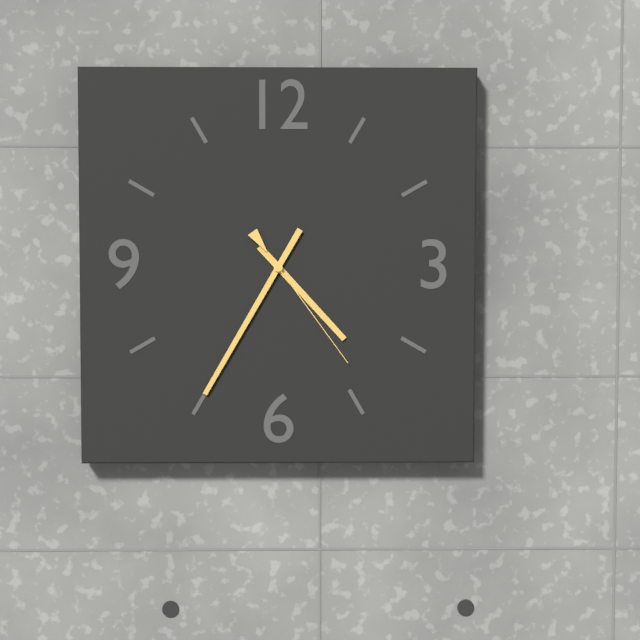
4:35:24
